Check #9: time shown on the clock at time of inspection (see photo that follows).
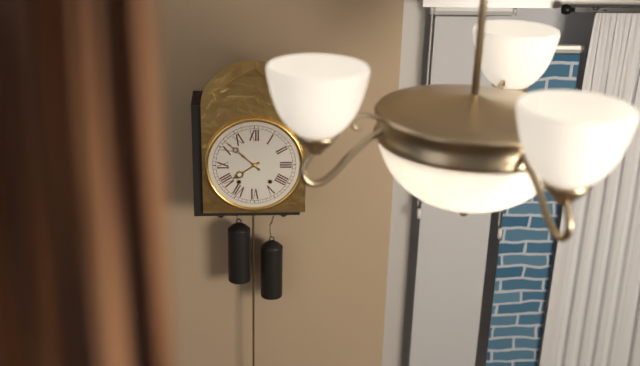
7:52
